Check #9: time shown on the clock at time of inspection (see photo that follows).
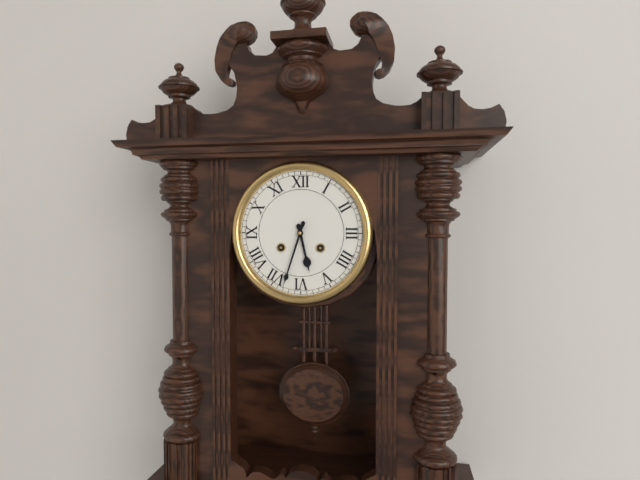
5:33
